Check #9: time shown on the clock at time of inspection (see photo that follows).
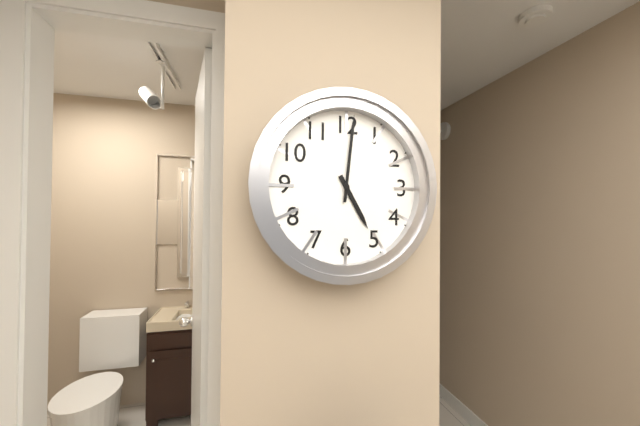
5:01
